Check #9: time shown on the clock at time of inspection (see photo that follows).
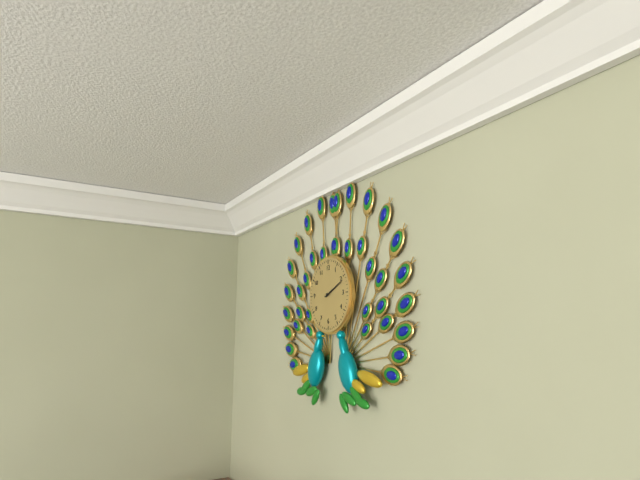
2:11
